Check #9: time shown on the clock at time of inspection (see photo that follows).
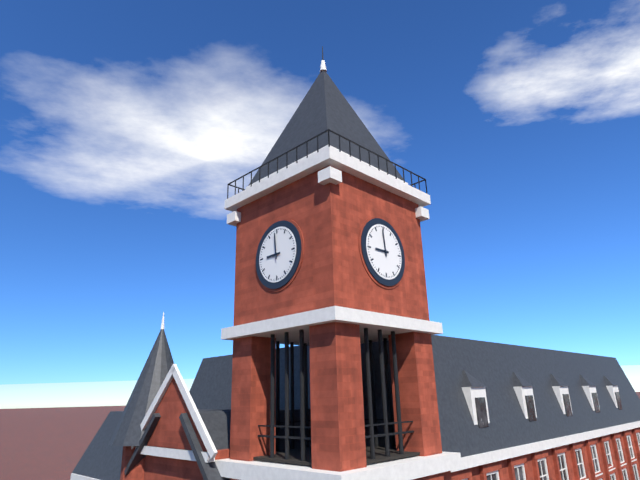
8:59
